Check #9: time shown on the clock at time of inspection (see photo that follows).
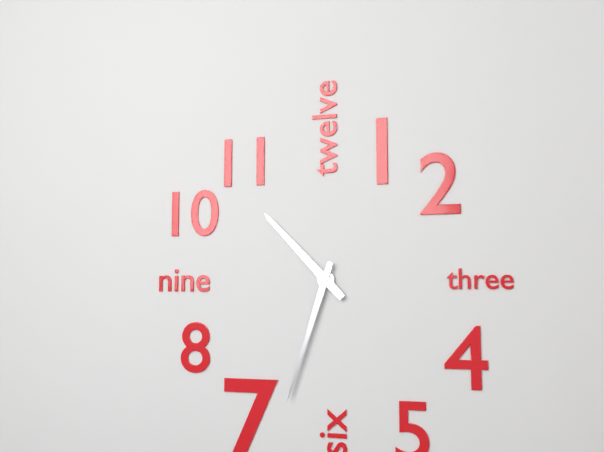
10:33
